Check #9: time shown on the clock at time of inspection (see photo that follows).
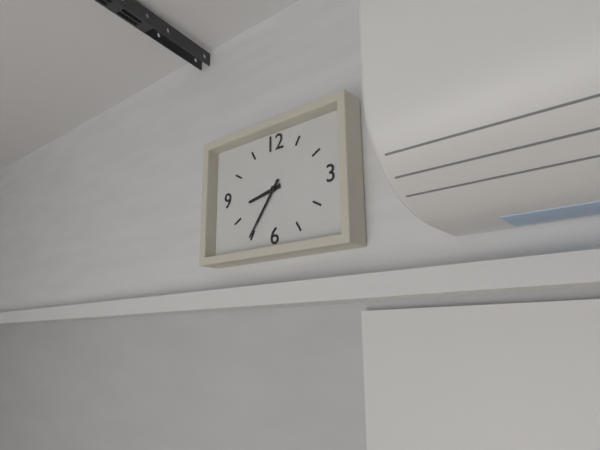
8:36
